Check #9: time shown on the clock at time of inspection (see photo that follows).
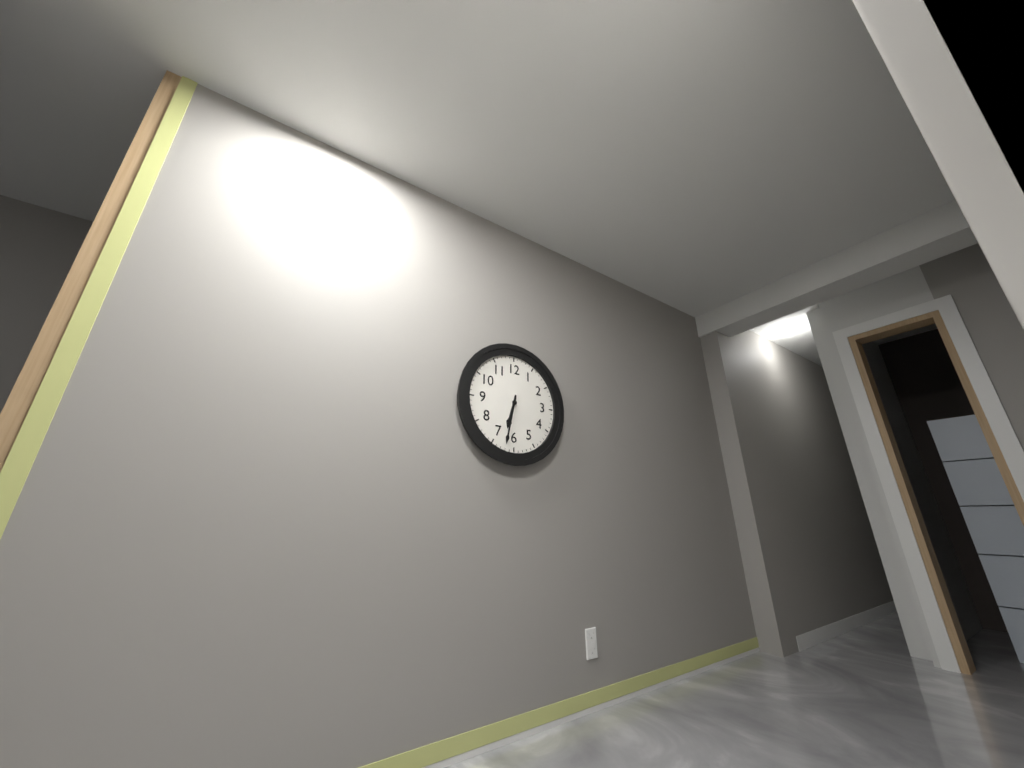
6:32
